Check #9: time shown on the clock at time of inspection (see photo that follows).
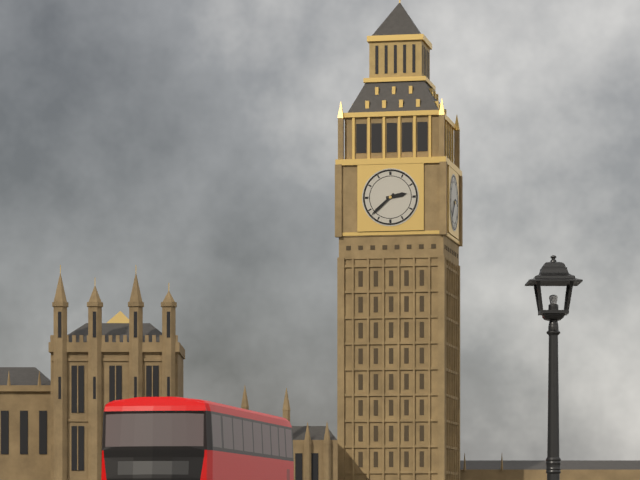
2:38
